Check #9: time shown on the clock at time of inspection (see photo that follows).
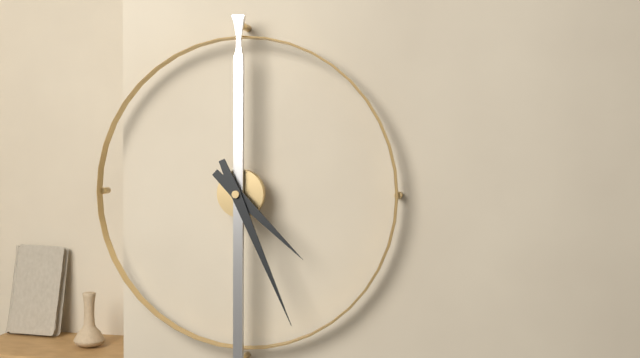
4:26
